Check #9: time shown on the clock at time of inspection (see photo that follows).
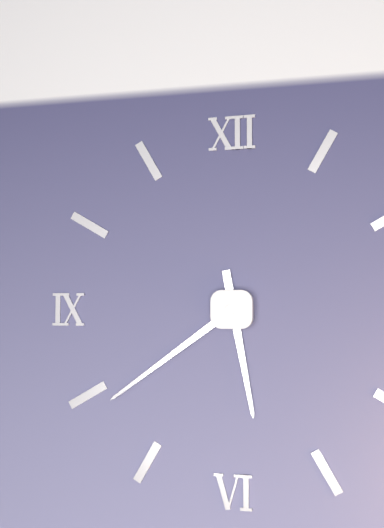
5:39
